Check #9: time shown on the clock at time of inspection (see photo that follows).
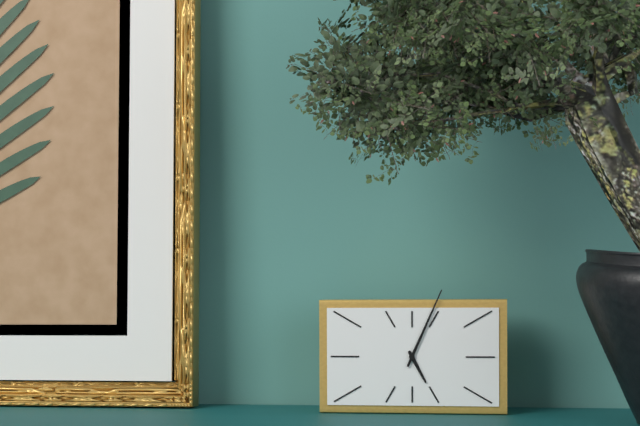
5:04
